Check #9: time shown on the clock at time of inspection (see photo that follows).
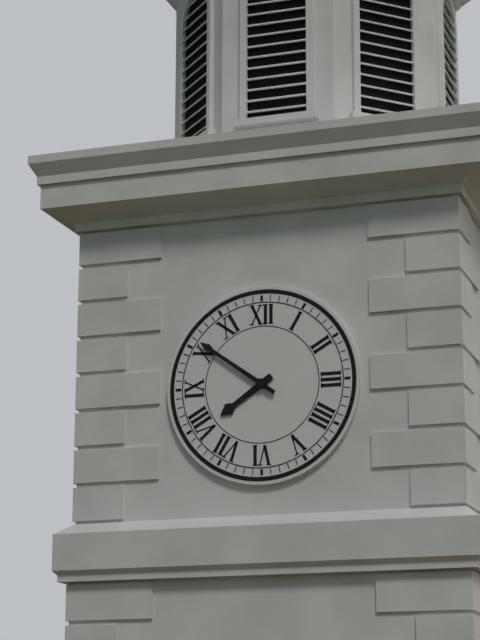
7:51
